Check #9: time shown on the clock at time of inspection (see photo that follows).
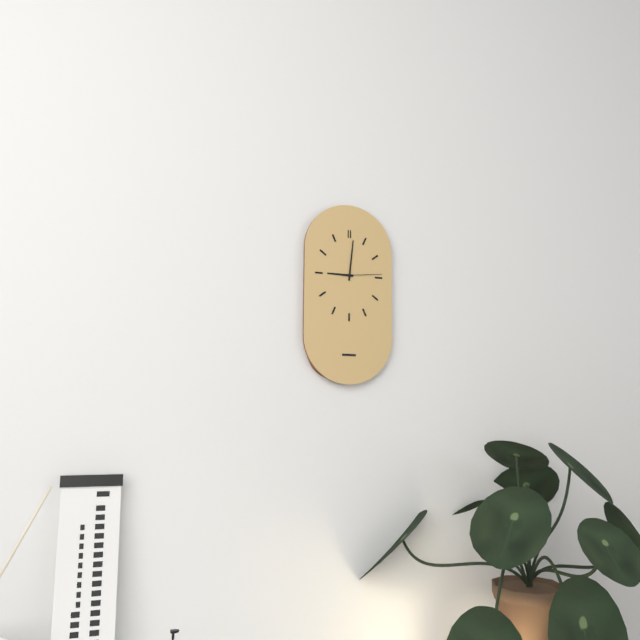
9:01
